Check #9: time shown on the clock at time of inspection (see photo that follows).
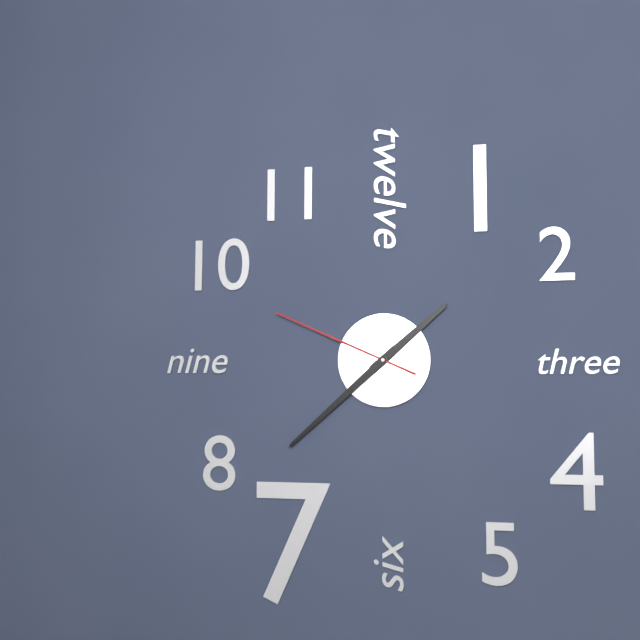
1:38:49
